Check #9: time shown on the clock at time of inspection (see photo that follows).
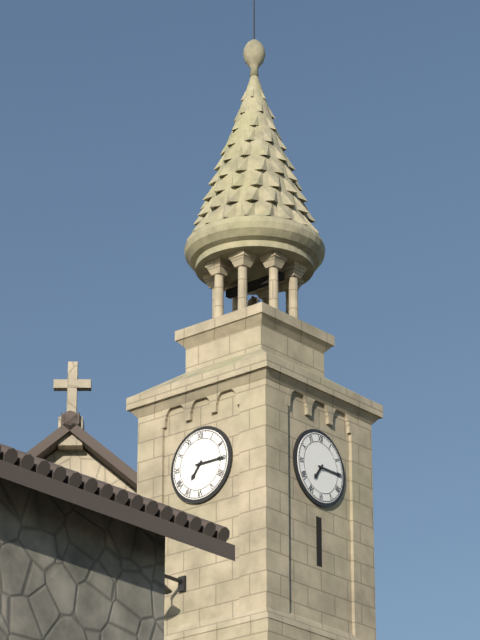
7:15
